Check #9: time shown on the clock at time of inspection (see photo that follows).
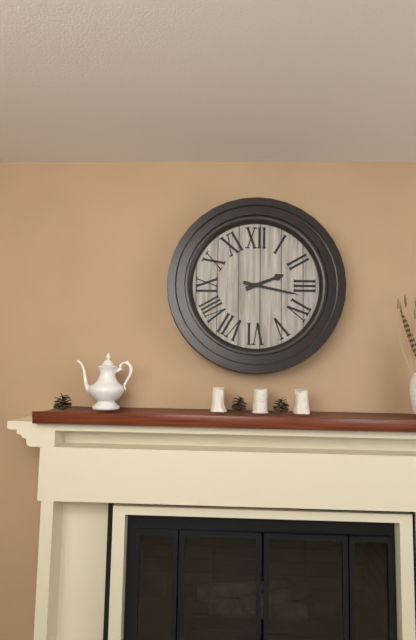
2:17
